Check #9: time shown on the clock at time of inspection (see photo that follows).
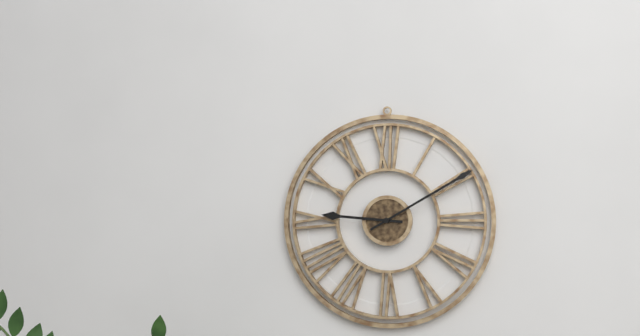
9:10
